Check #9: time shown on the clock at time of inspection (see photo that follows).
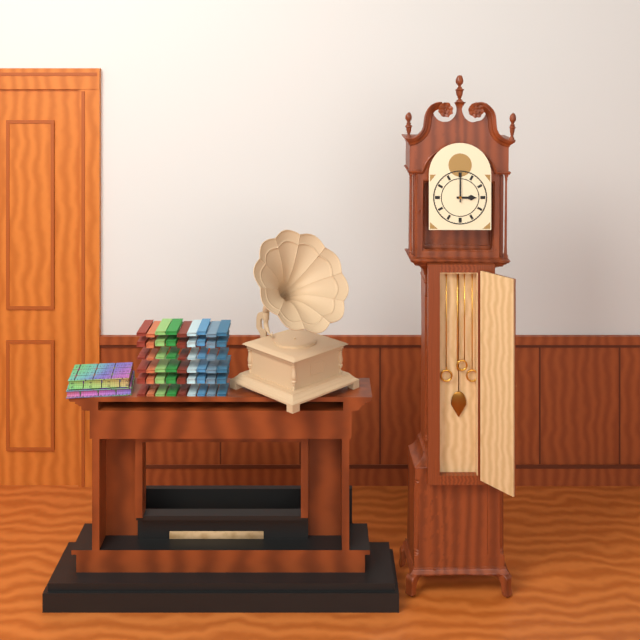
3:00
